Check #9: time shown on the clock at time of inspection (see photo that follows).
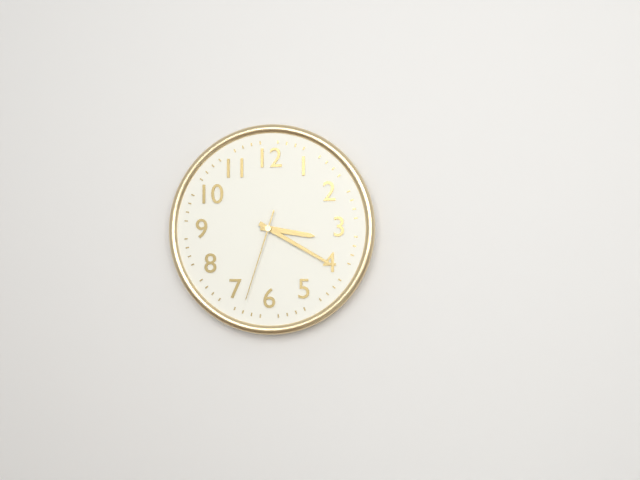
3:20:33
